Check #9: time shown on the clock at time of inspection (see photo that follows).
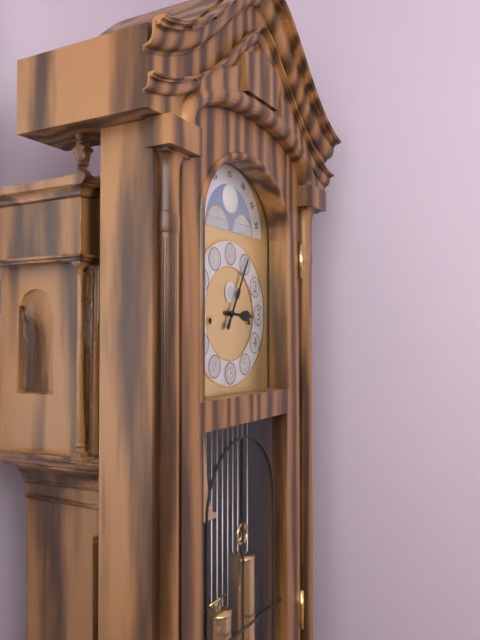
3:05
